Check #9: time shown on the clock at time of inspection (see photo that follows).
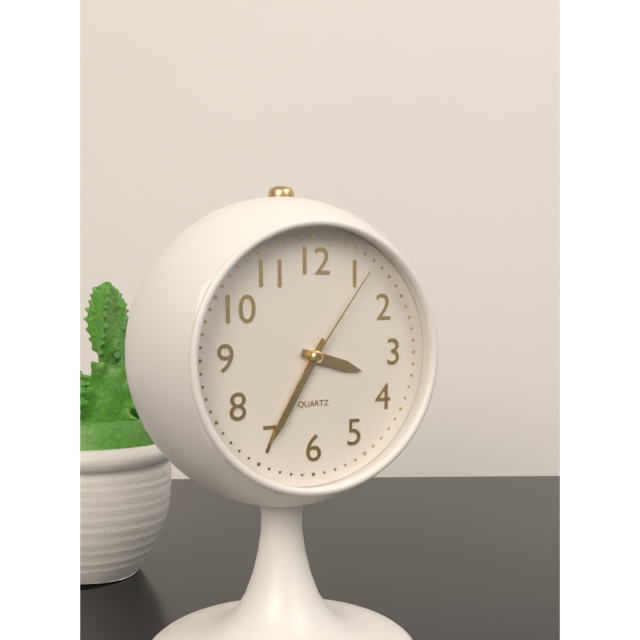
3:35:06
